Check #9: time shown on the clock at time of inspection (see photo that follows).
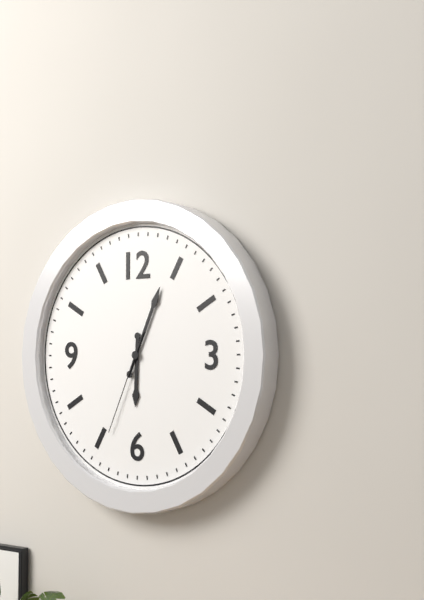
6:04:34
